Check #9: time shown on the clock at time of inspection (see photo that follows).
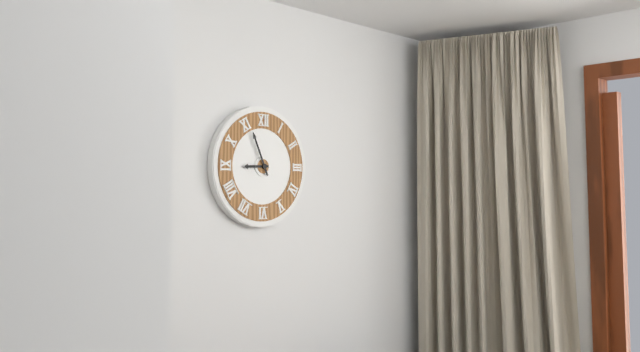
8:56
